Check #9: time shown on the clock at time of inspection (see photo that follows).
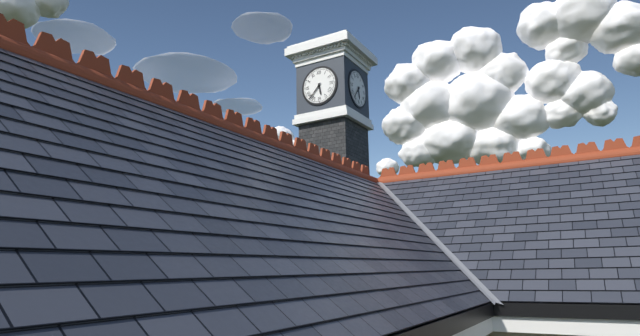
5:37
